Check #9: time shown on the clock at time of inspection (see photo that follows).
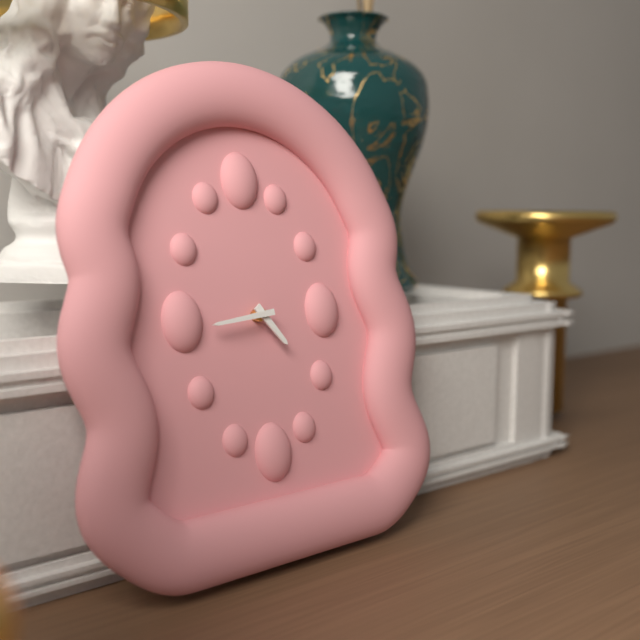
4:44
